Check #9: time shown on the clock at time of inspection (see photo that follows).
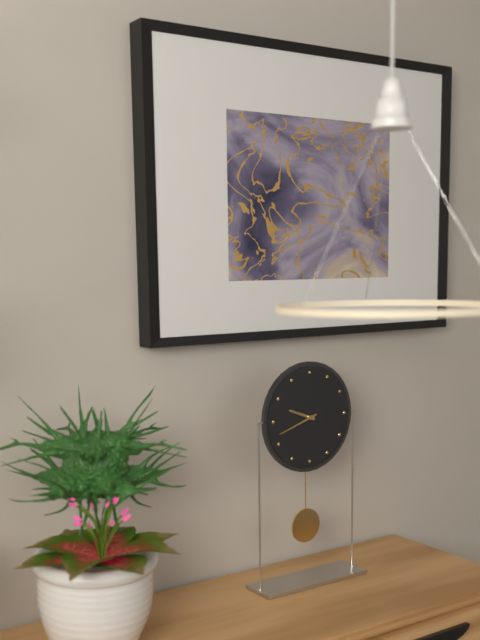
9:42
